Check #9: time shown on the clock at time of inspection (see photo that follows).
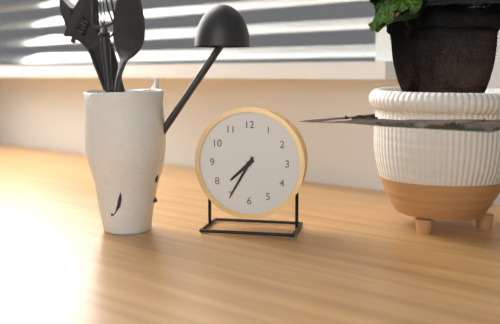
7:35
